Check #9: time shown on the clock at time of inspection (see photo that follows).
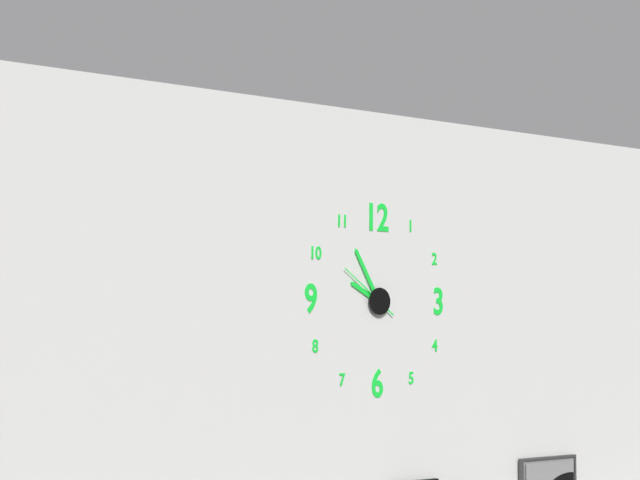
9:55:51
